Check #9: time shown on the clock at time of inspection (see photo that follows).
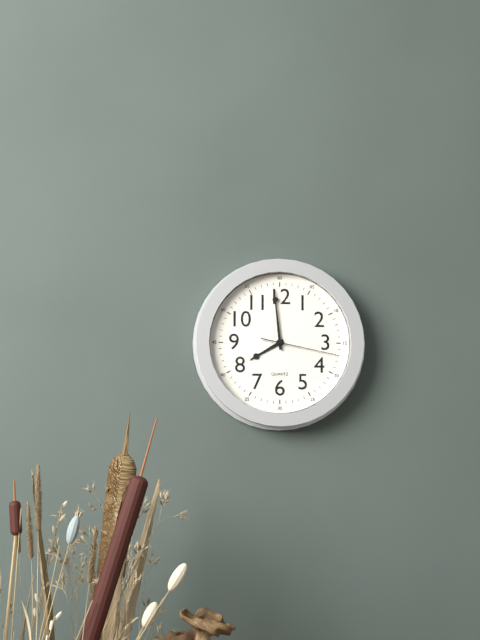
7:59:17
